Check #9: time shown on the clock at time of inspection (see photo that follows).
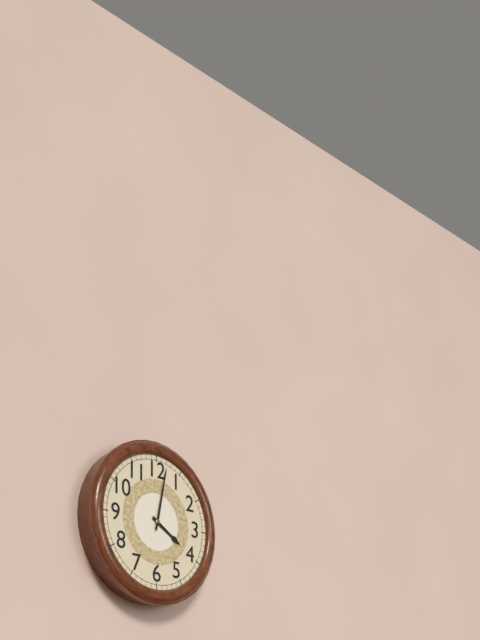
4:02
